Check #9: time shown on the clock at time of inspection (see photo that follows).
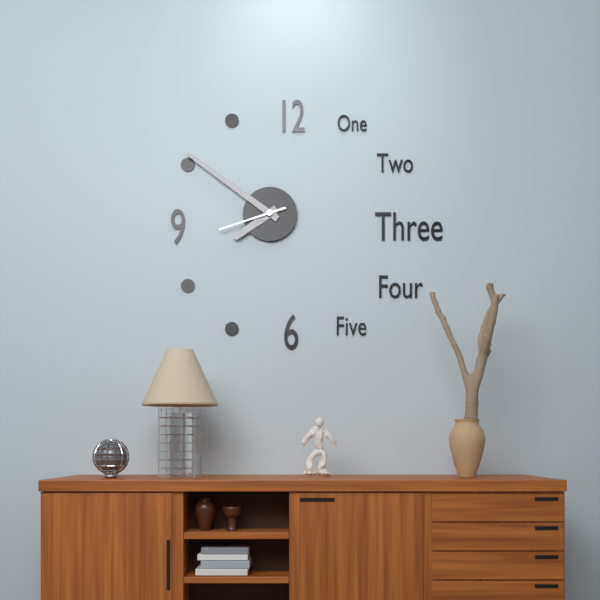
7:51:42
